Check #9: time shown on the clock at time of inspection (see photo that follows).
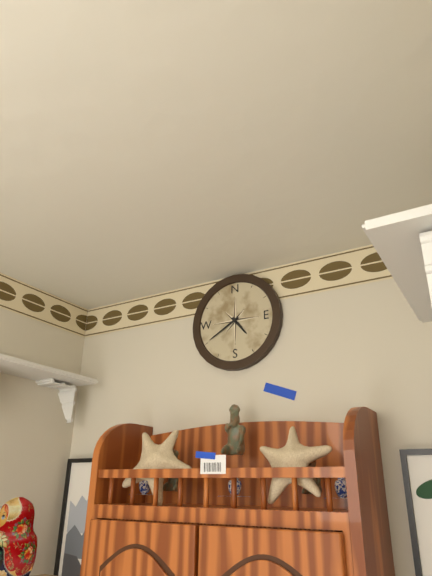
4:40
